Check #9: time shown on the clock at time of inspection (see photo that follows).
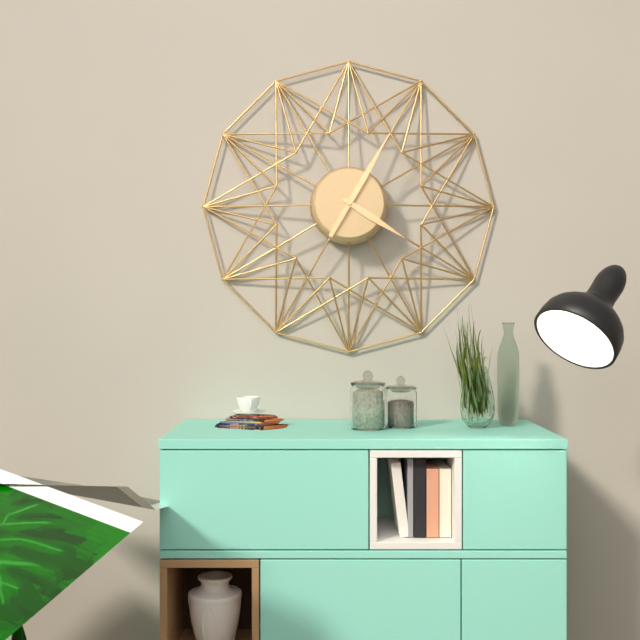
4:05
